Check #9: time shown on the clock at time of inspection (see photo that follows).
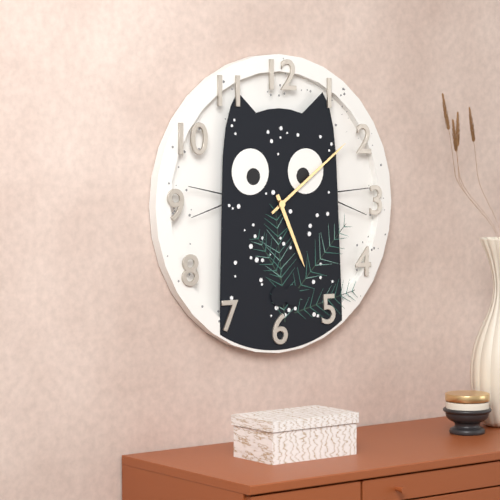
5:09
